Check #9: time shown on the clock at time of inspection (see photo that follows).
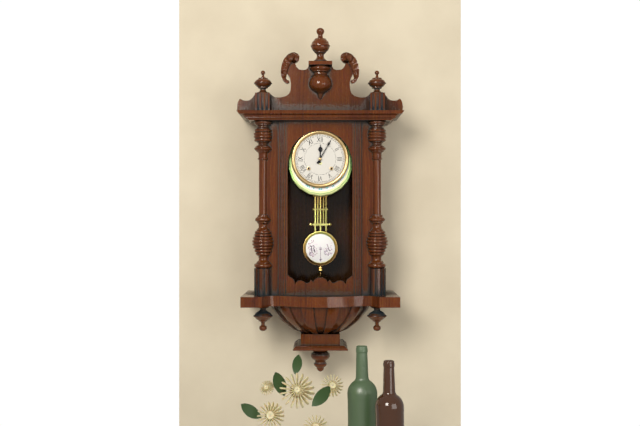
12:05
